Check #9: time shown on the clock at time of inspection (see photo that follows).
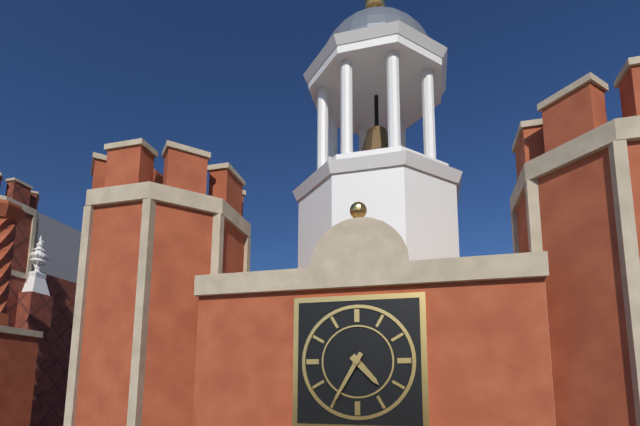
4:35
